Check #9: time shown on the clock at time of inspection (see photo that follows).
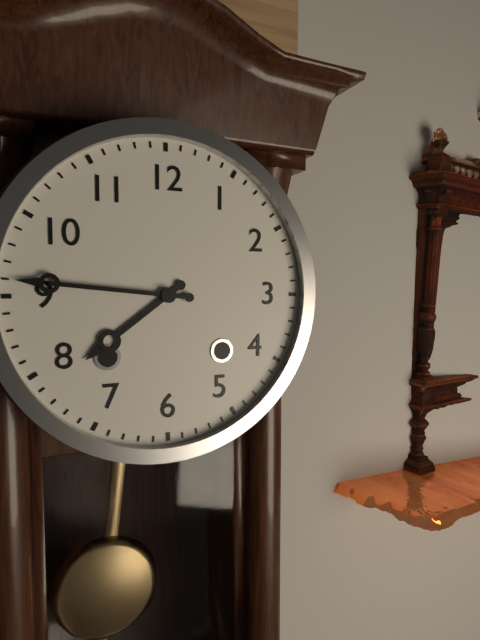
7:46
